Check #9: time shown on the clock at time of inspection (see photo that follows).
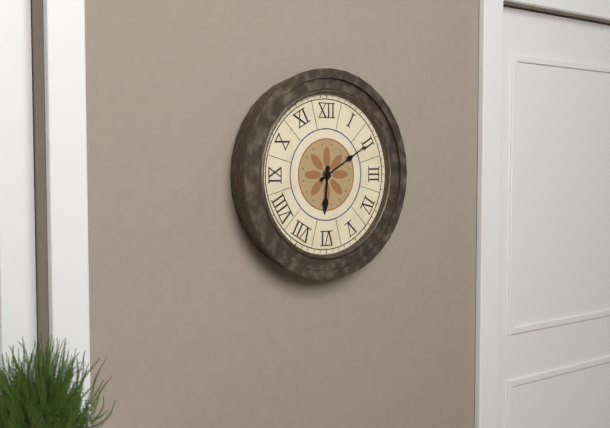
6:10
